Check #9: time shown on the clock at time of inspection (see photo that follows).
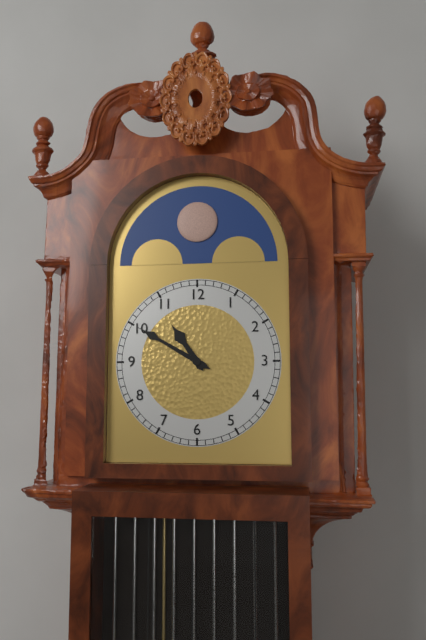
10:50
